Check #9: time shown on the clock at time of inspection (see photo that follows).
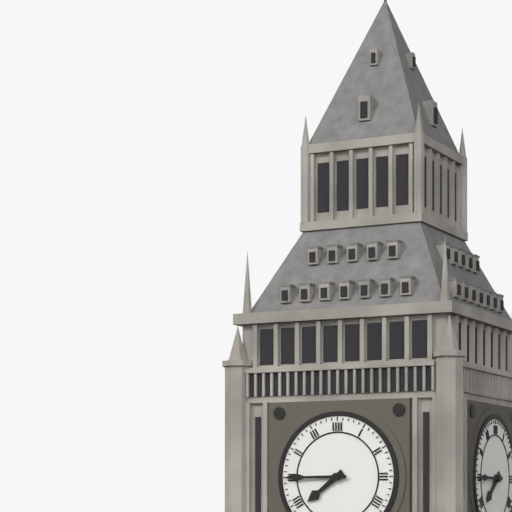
7:45
